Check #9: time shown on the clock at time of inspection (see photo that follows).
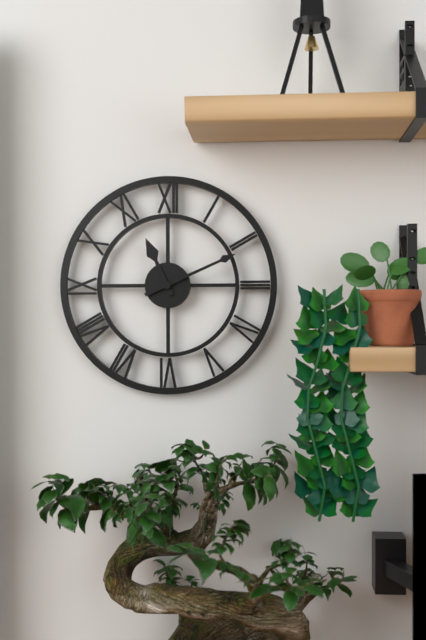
11:11
